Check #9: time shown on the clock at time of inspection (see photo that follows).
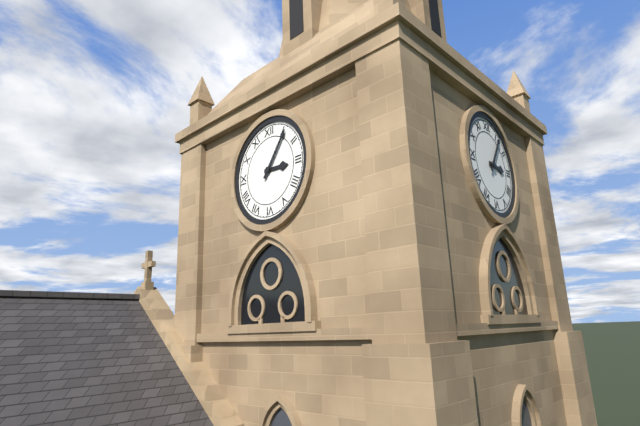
3:06
